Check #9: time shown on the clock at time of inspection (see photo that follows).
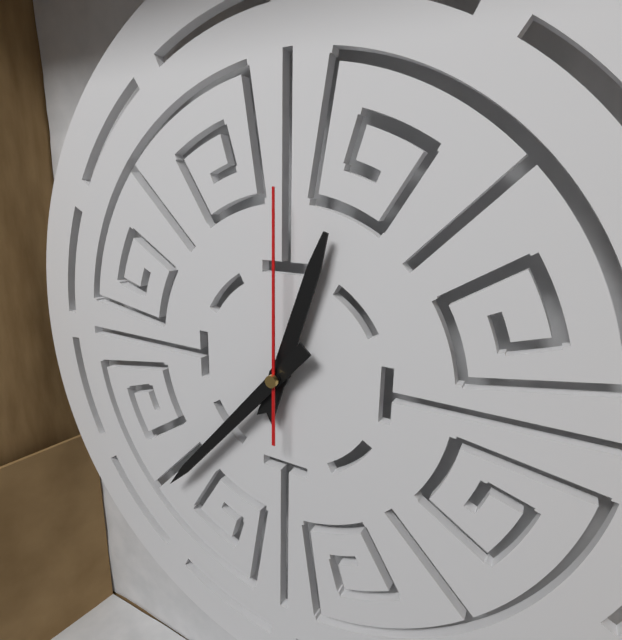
12:37:00
